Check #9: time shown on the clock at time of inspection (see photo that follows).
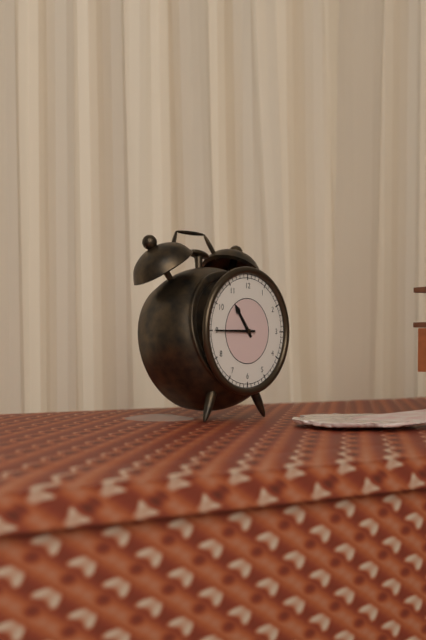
10:45
